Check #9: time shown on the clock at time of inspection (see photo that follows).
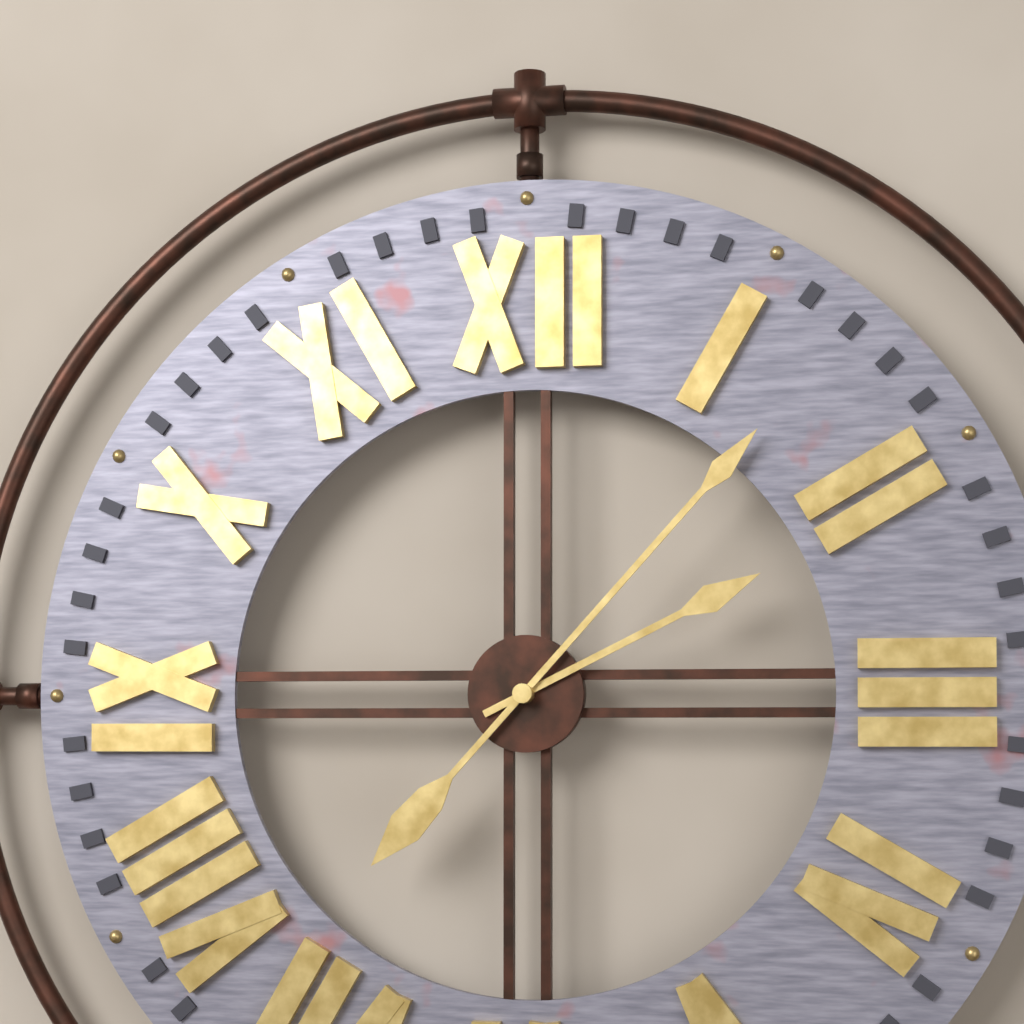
2:07
